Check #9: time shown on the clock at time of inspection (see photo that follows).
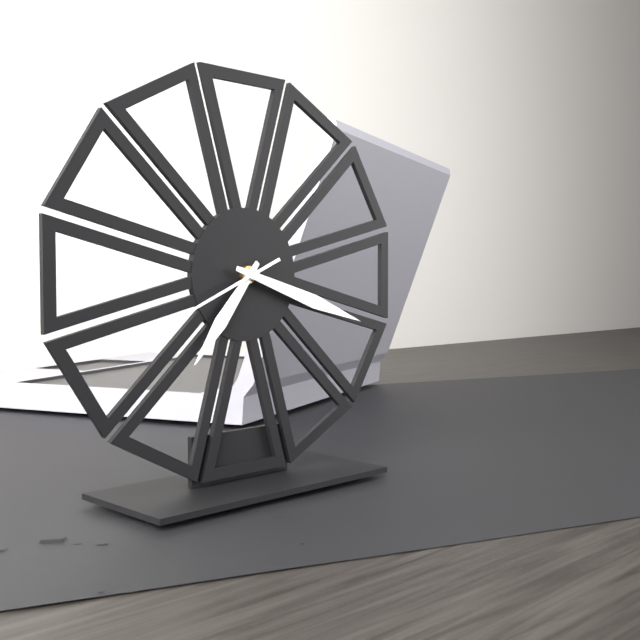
7:18:41
